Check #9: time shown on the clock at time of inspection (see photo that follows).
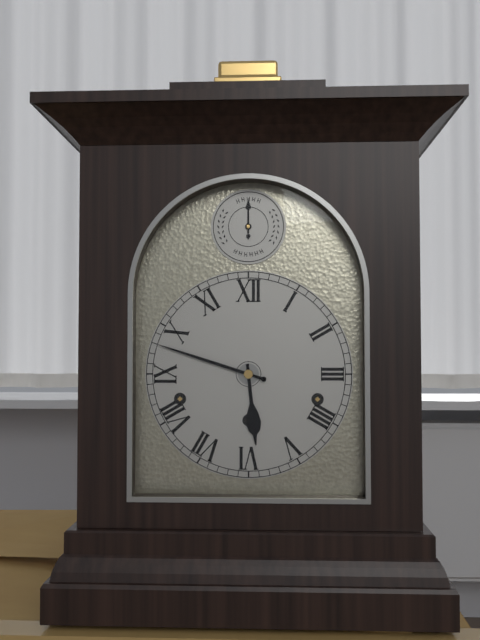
5:48
